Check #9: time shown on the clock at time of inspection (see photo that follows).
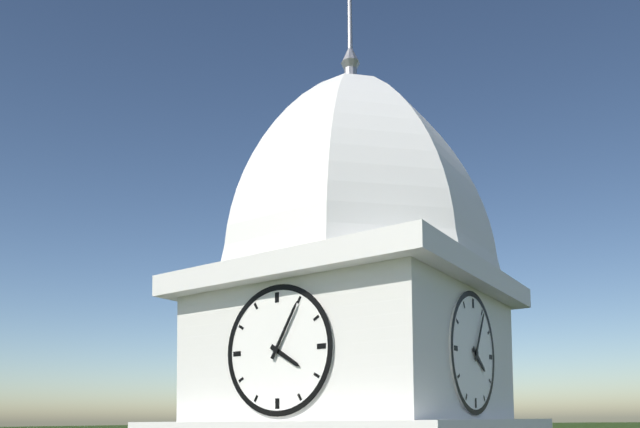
4:05
